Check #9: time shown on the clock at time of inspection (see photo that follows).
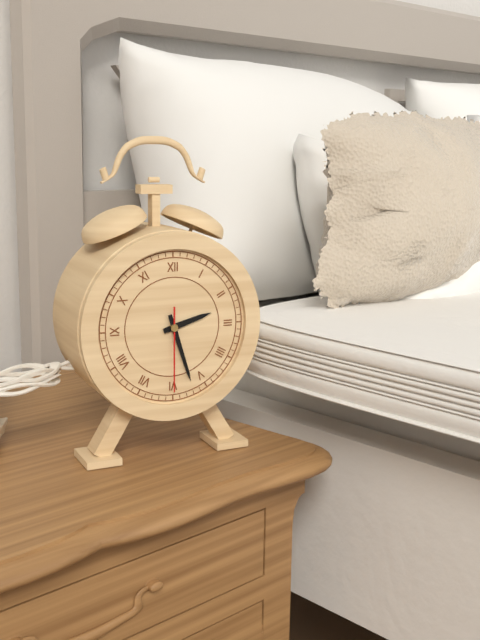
2:27:30
